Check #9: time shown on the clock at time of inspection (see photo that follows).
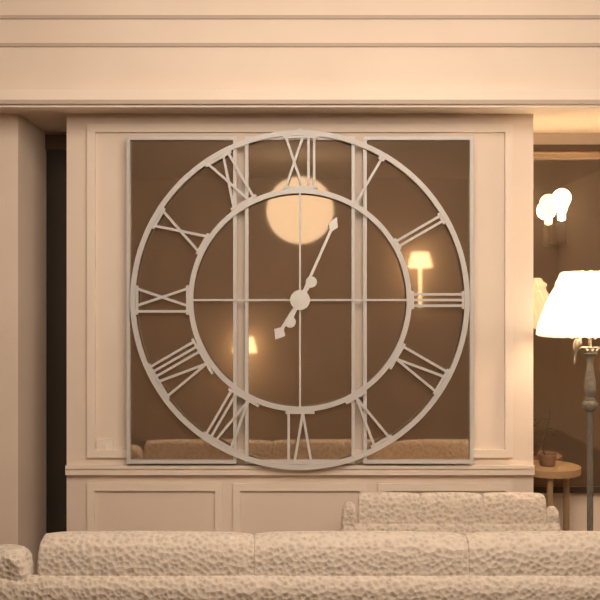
7:04
